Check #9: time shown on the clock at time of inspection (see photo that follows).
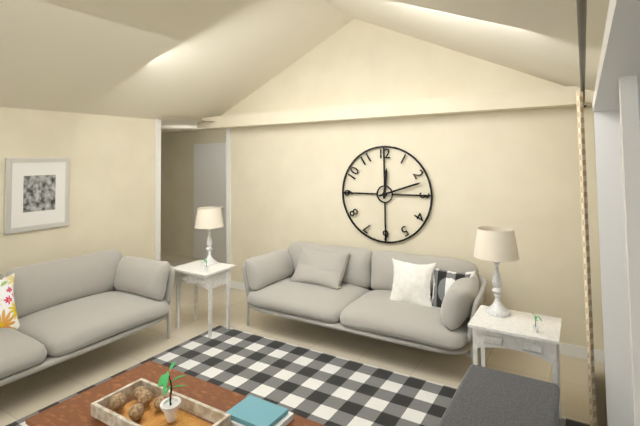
12:12
